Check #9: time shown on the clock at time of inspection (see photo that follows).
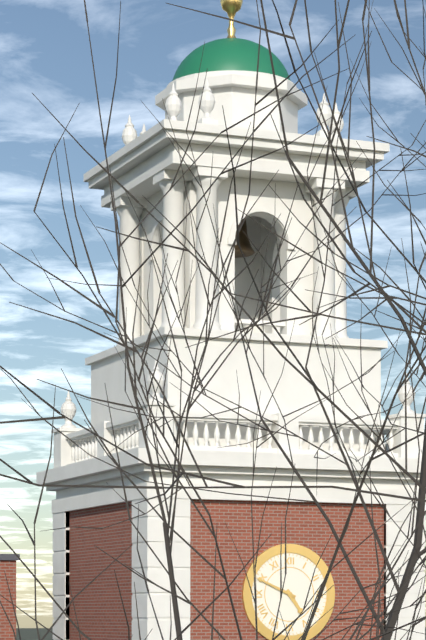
4:49
